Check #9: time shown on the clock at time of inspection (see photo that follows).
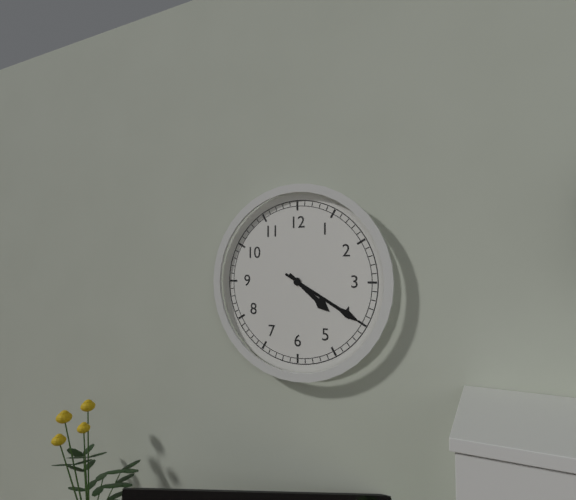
4:20
